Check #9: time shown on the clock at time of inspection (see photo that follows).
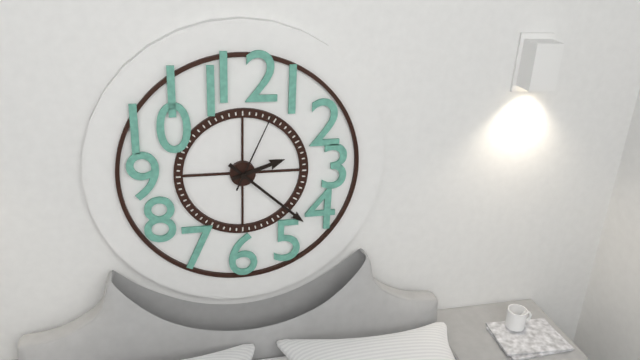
2:22:04
